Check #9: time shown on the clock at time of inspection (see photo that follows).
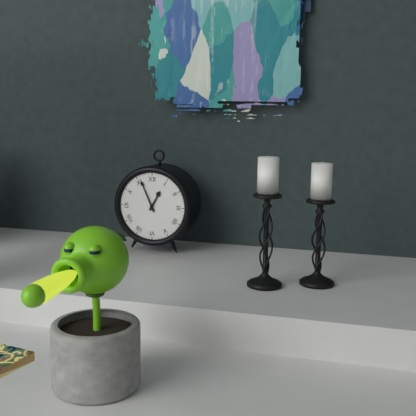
12:56
